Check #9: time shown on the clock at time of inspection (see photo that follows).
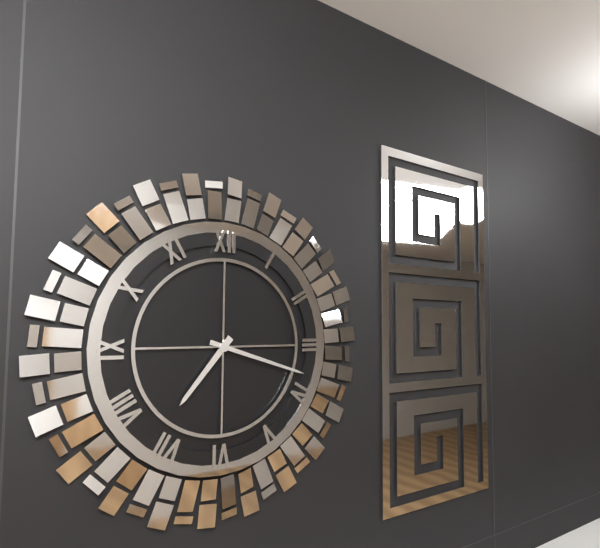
7:18
